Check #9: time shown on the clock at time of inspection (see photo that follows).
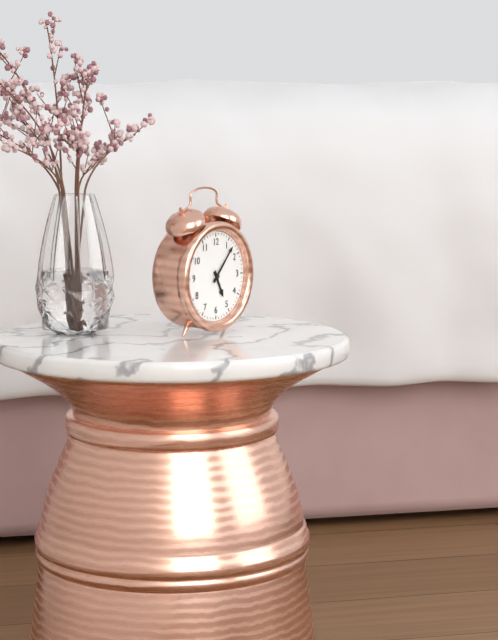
5:07
